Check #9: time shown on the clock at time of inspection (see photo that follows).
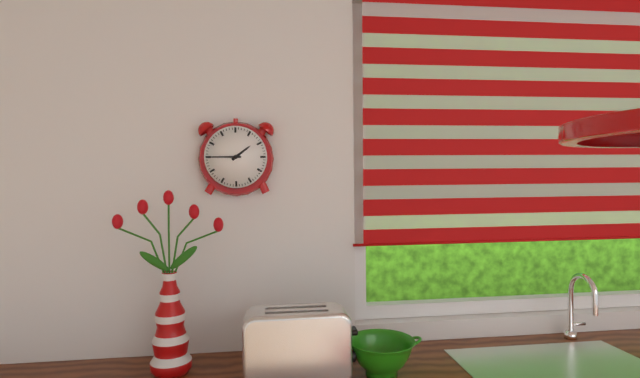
1:45
